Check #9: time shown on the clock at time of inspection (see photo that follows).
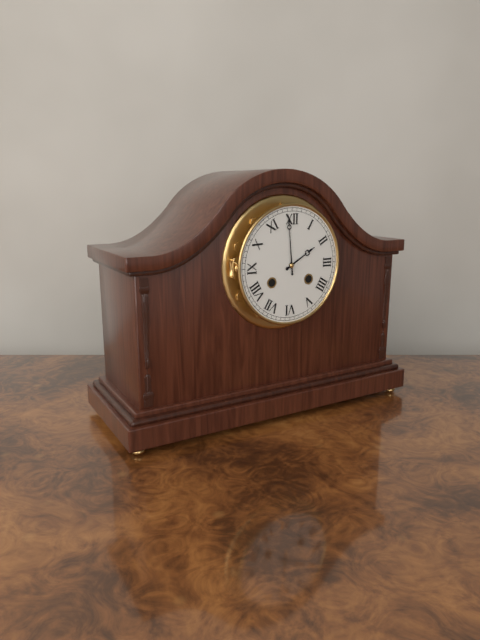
1:59
